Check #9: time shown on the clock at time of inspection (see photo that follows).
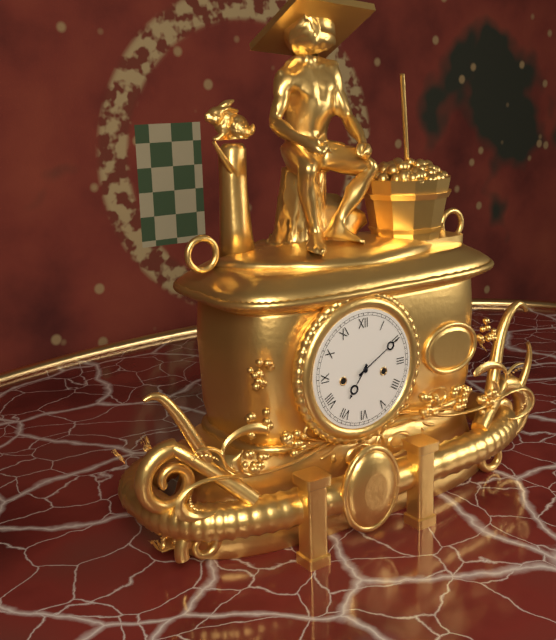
7:10
